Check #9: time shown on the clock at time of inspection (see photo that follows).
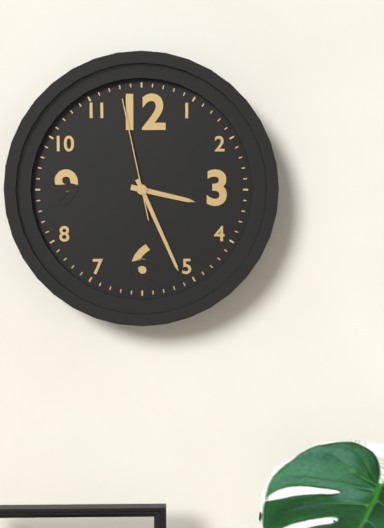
3:26:58
